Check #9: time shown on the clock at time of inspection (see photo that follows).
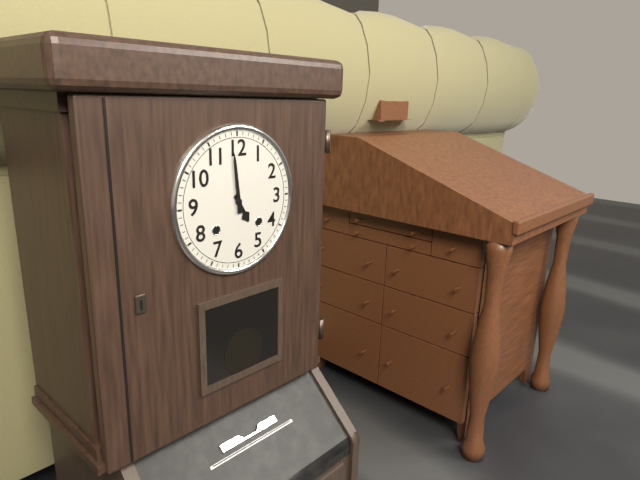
4:59
